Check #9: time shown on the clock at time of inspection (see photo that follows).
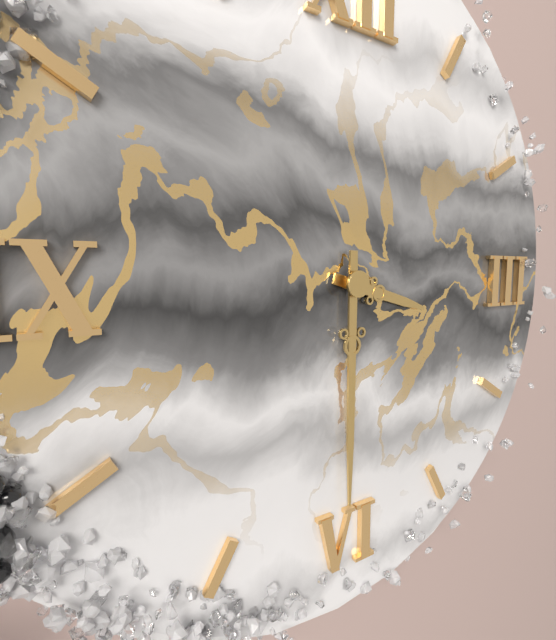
3:30
